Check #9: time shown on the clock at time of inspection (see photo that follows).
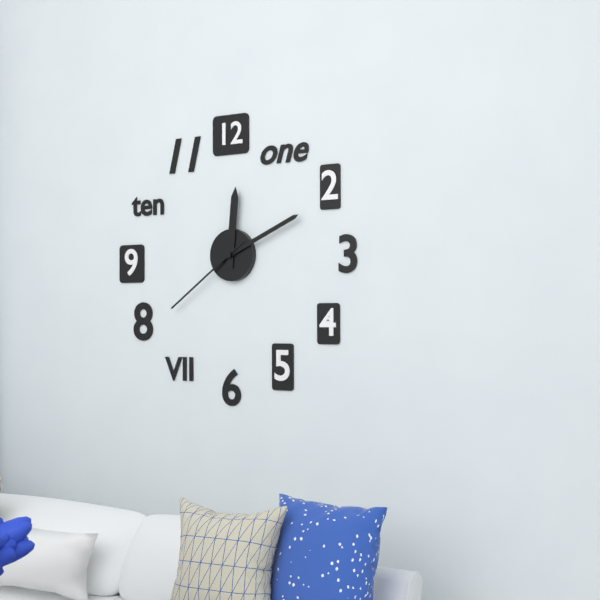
12:11:39
